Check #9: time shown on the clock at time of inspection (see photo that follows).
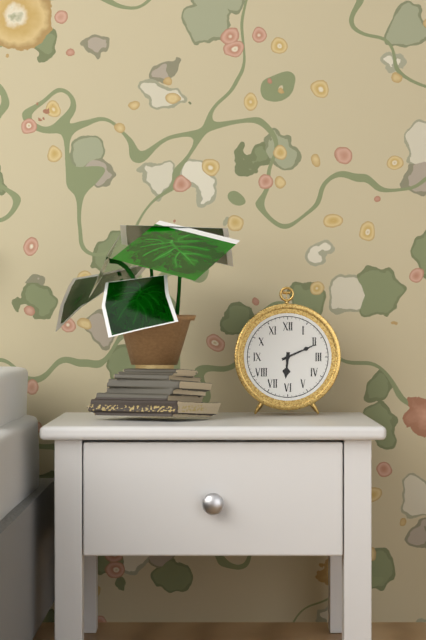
6:11
